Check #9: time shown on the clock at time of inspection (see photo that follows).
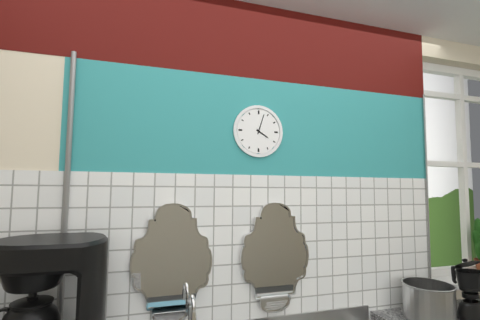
4:03
